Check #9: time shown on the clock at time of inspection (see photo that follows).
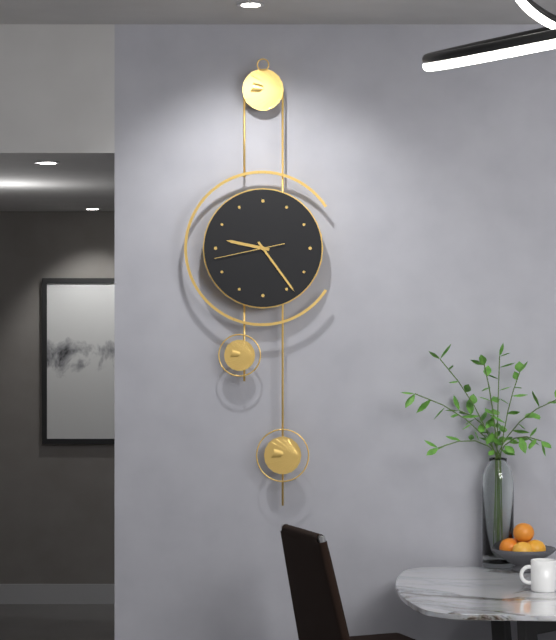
9:24:43
